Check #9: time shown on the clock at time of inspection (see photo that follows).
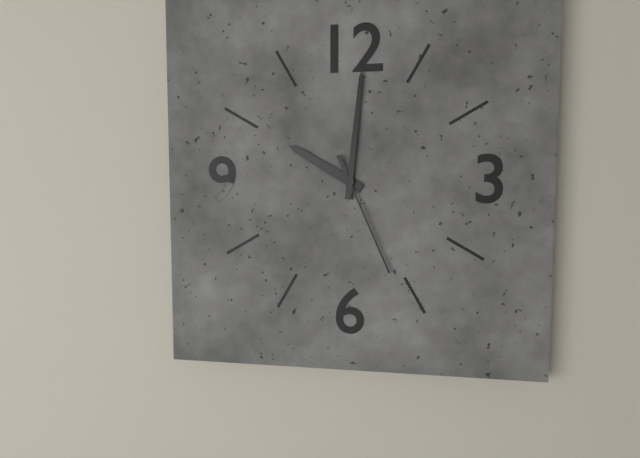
10:01:26
